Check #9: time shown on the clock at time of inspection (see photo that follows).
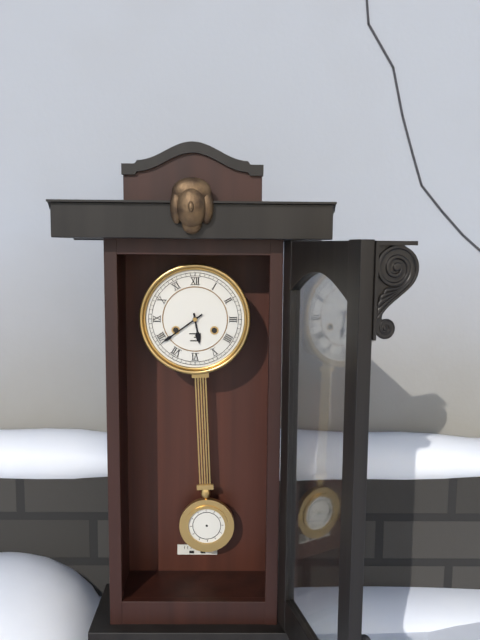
5:39
